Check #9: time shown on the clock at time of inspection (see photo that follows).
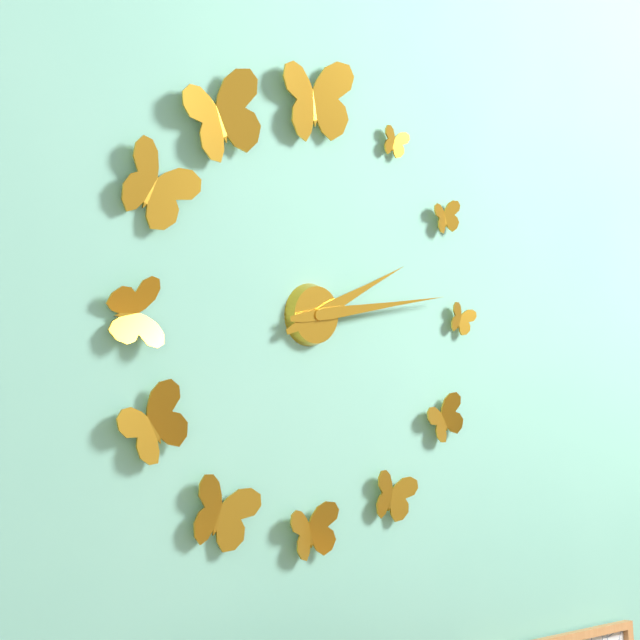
2:14
